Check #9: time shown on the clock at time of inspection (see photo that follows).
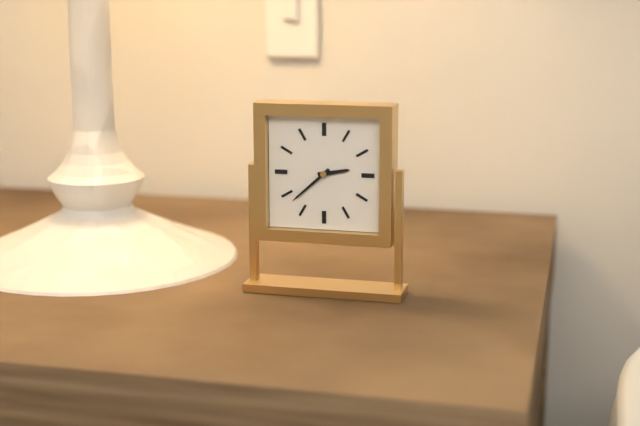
2:38
